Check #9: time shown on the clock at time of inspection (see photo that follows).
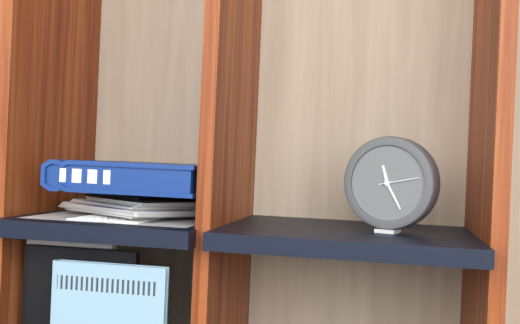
11:25
